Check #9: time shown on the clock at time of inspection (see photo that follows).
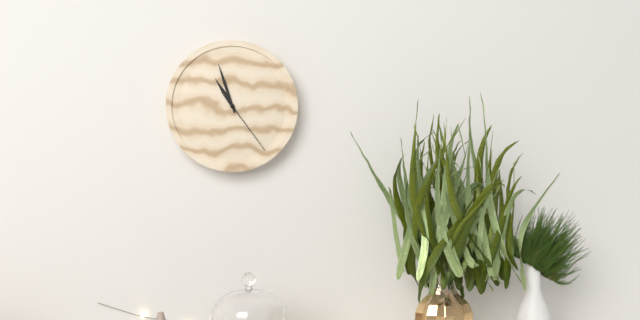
10:57:24
